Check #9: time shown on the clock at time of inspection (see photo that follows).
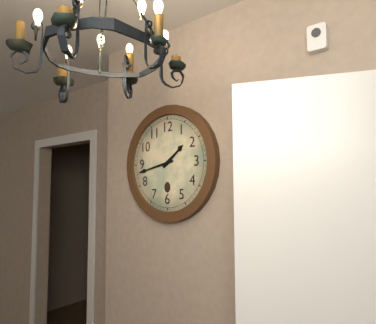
1:43
